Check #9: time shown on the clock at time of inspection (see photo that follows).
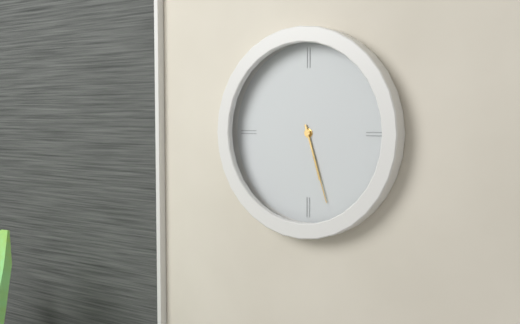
5:27
